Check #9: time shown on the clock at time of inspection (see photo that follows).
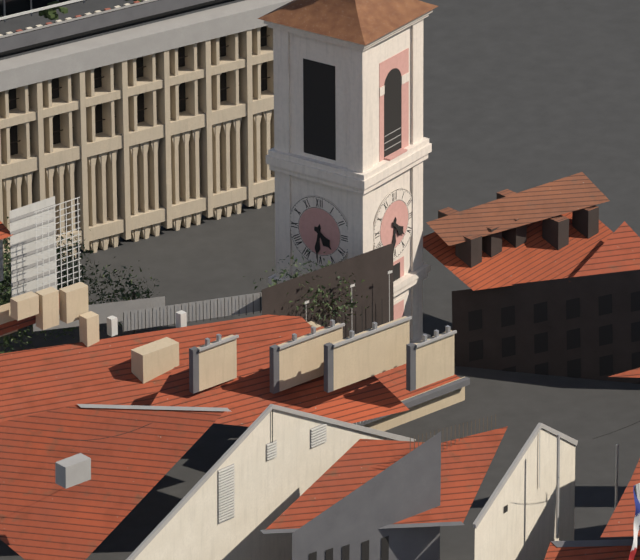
4:31
